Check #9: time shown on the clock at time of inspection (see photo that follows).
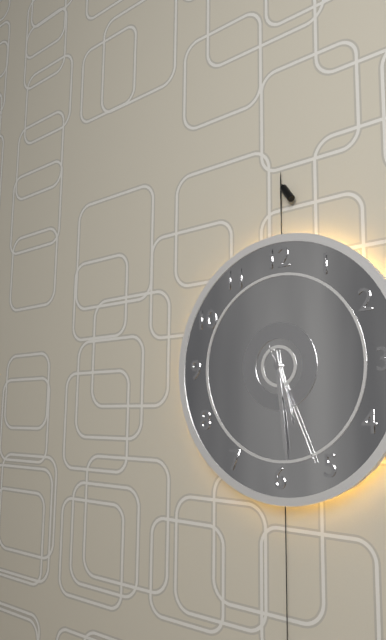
5:29:26
